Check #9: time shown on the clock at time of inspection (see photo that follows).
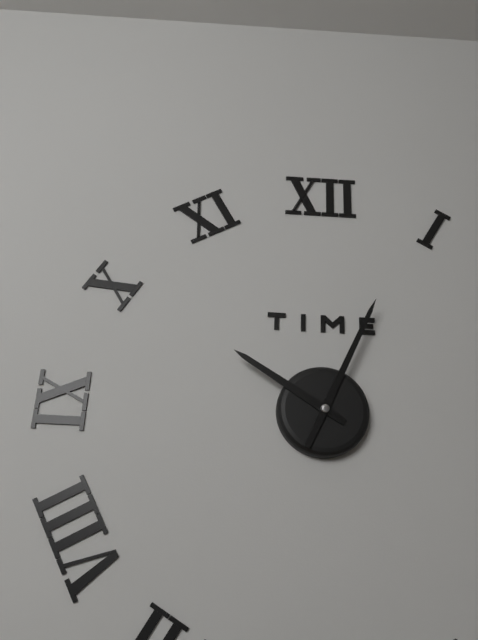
10:04
